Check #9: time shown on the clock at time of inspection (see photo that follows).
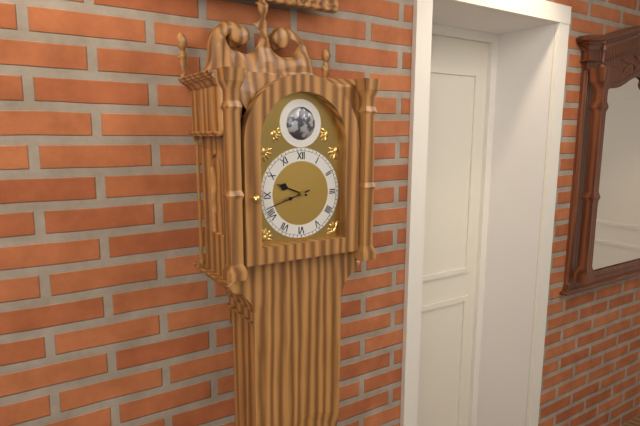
9:42
